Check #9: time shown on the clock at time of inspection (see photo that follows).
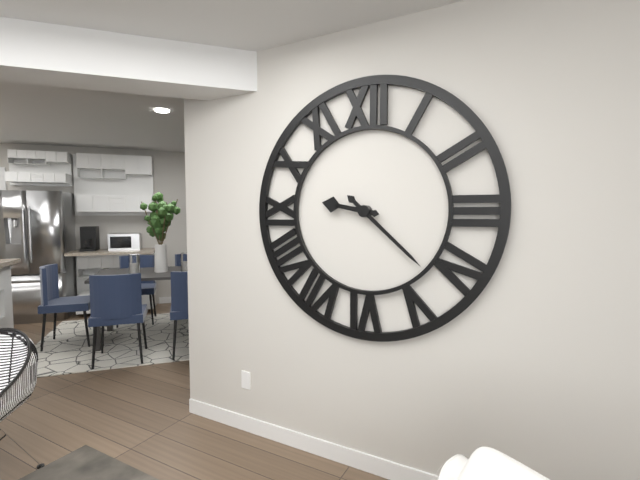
9:22
